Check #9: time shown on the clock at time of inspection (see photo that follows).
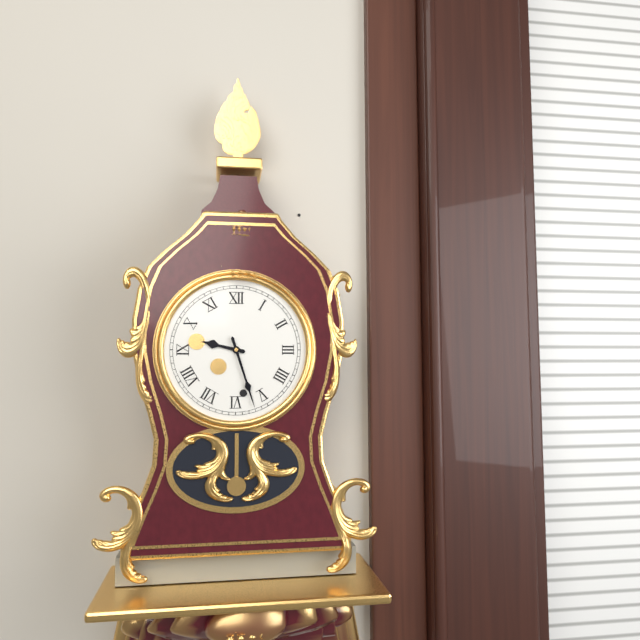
9:27
